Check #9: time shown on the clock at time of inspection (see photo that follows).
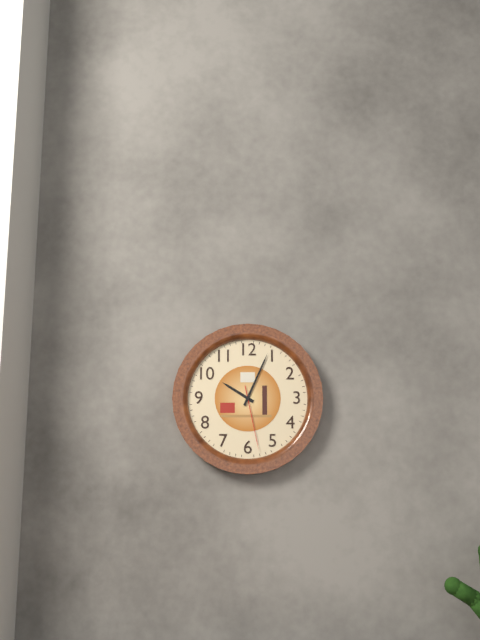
10:04:28
